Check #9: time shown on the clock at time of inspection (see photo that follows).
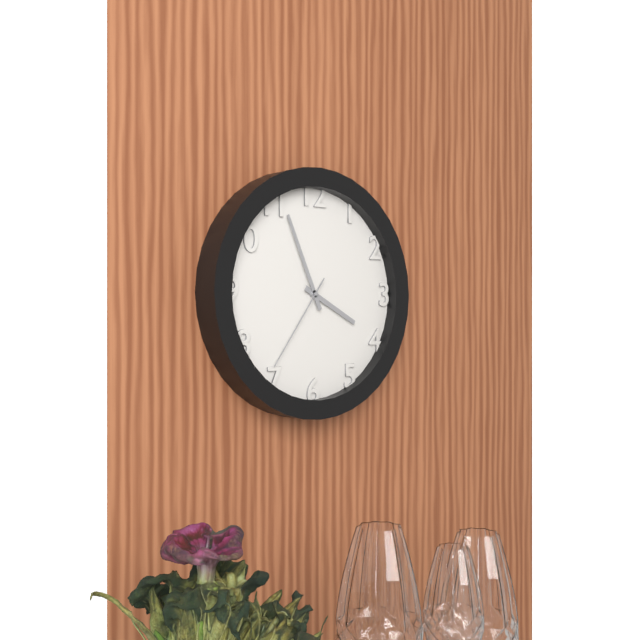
3:56:36
